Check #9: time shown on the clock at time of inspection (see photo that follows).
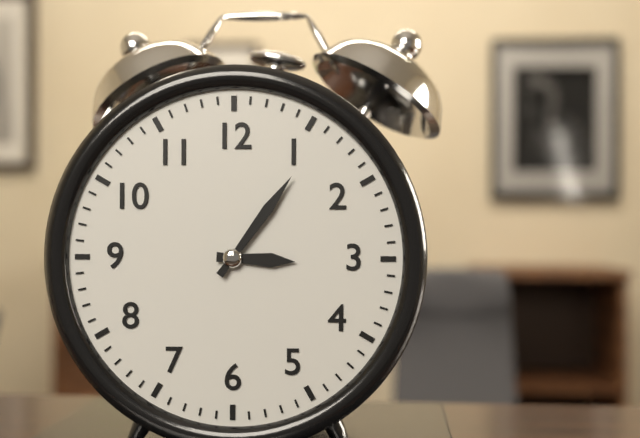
3:06
